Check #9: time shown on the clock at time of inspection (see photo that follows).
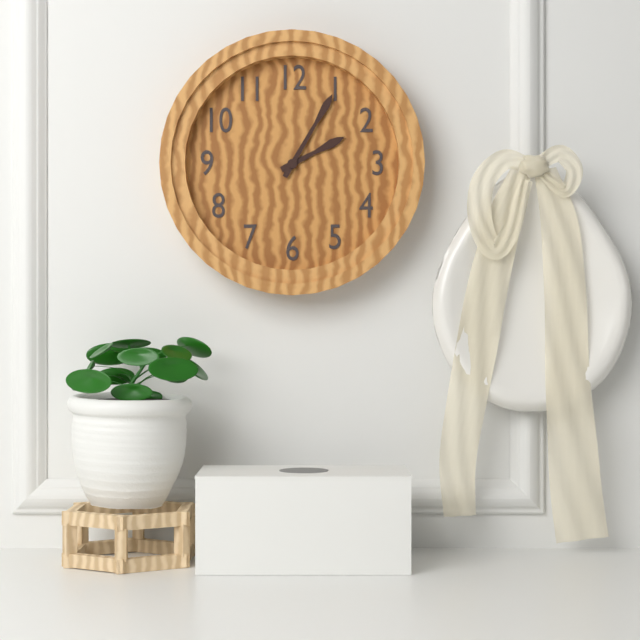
2:05
